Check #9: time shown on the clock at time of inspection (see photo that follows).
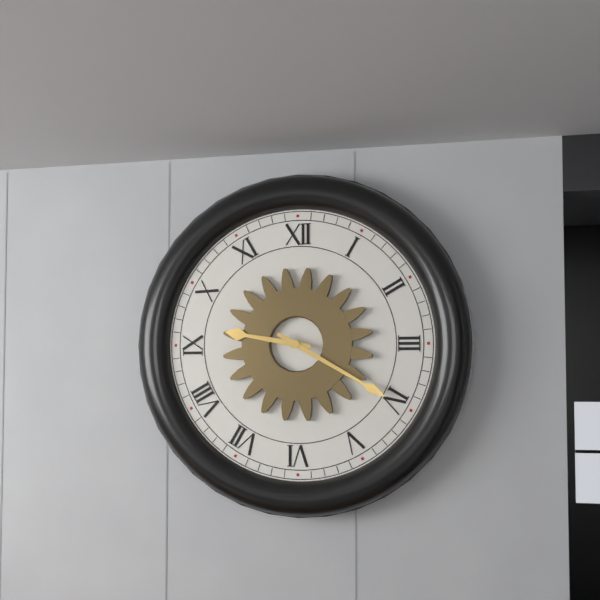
9:20
